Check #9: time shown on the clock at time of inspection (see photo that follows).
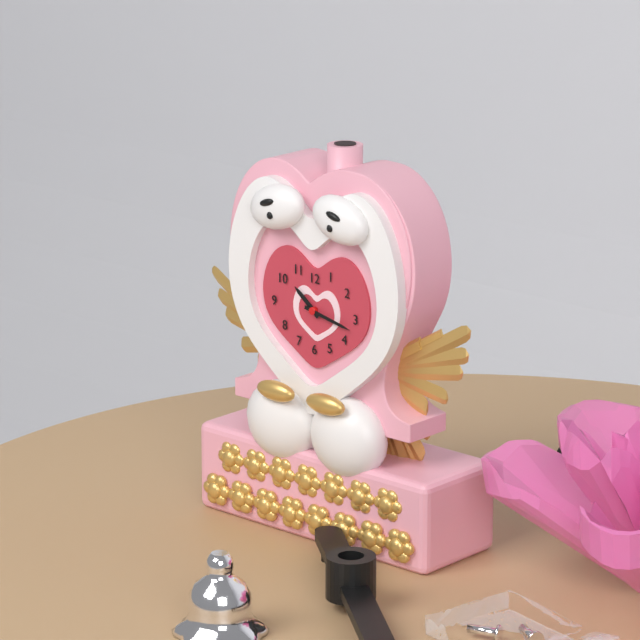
10:17
